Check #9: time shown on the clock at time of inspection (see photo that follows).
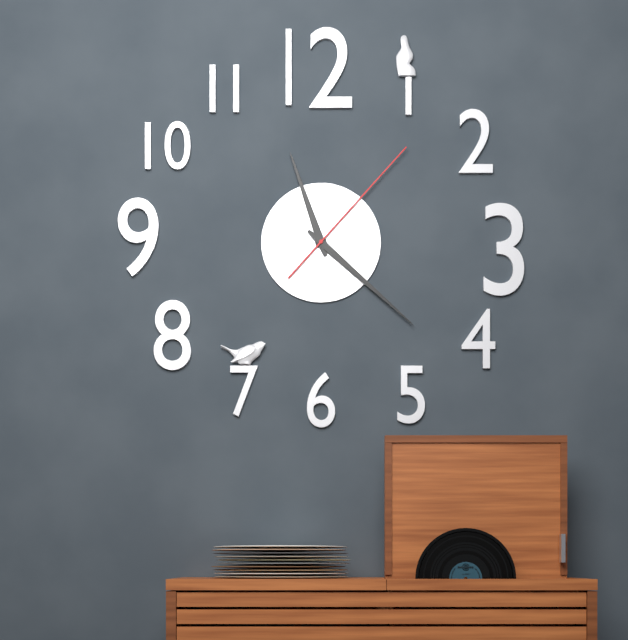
11:22:07
